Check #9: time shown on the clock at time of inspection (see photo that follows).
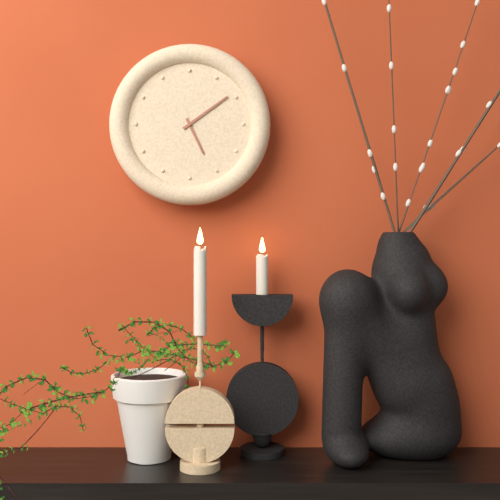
5:09
